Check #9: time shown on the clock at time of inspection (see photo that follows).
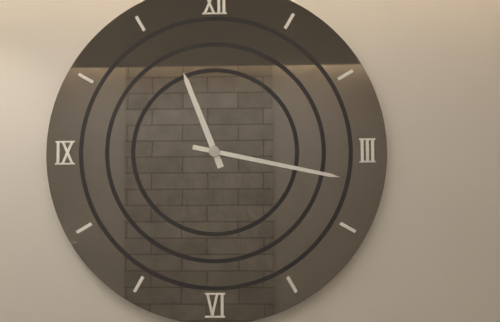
11:17
